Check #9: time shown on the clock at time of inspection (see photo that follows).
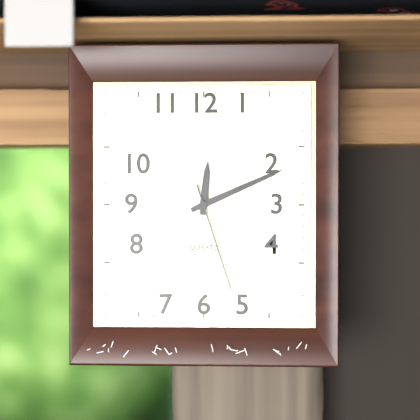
12:11:27
